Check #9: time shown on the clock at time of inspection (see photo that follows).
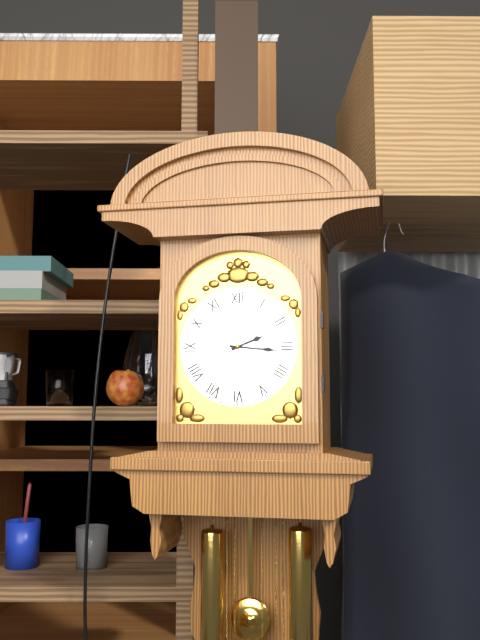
2:16
